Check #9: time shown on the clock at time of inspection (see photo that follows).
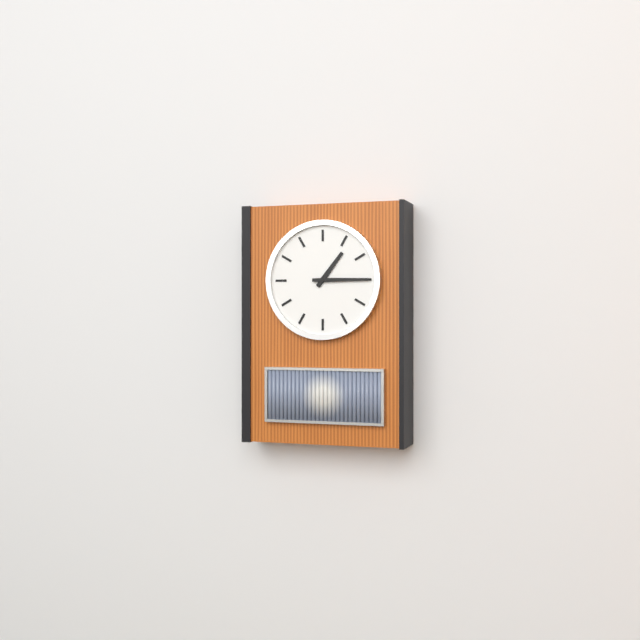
1:15
